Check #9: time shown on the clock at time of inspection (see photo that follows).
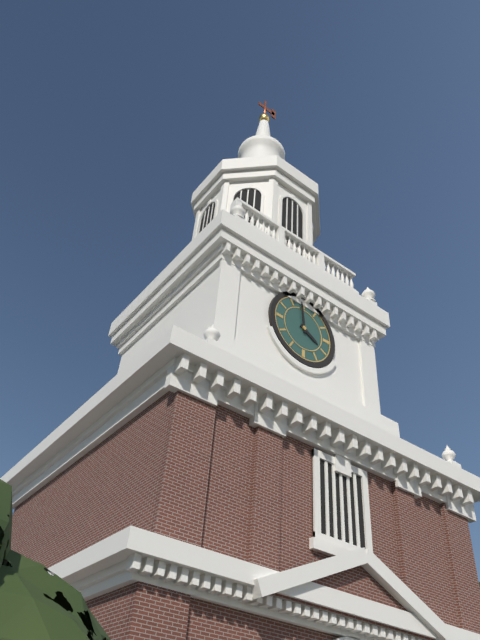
3:59
